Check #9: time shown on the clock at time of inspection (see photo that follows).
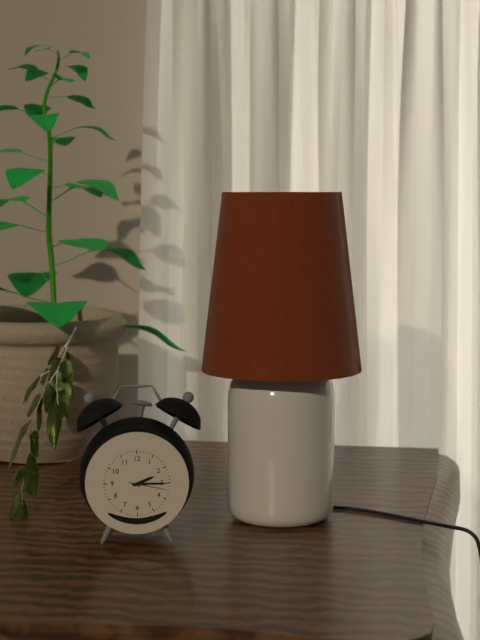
2:15
